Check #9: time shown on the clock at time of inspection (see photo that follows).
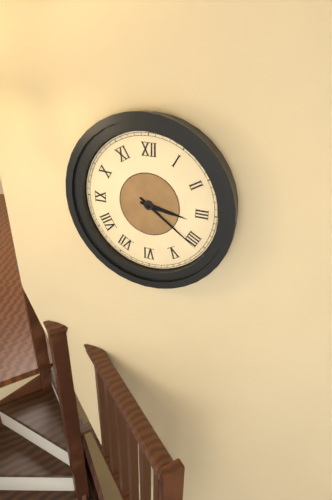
3:21
